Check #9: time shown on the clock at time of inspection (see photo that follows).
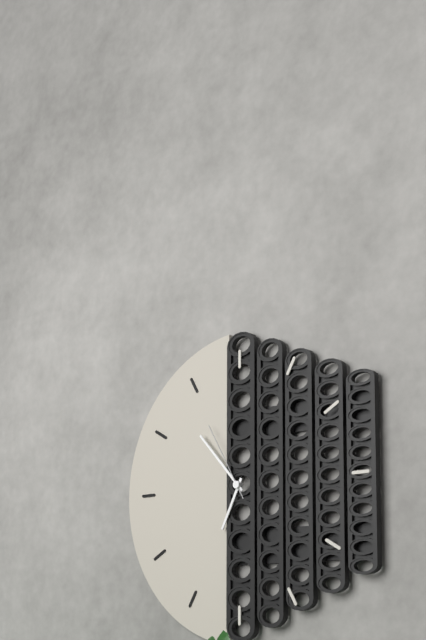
6:53:55
